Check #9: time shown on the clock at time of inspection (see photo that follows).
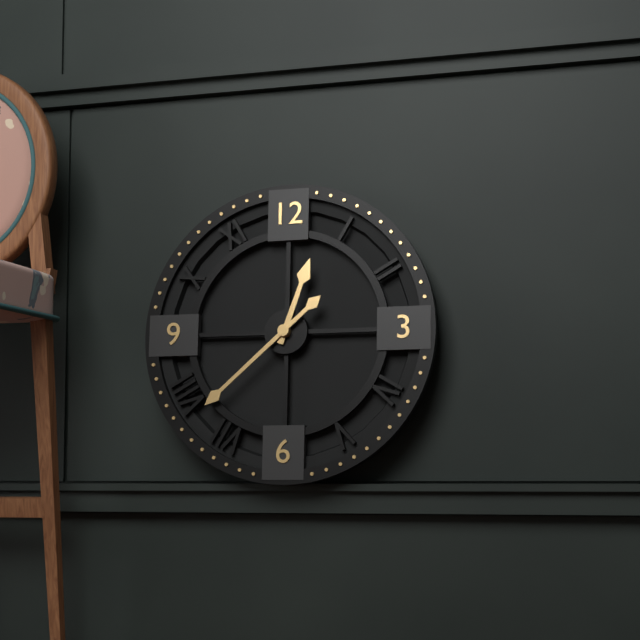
12:38
